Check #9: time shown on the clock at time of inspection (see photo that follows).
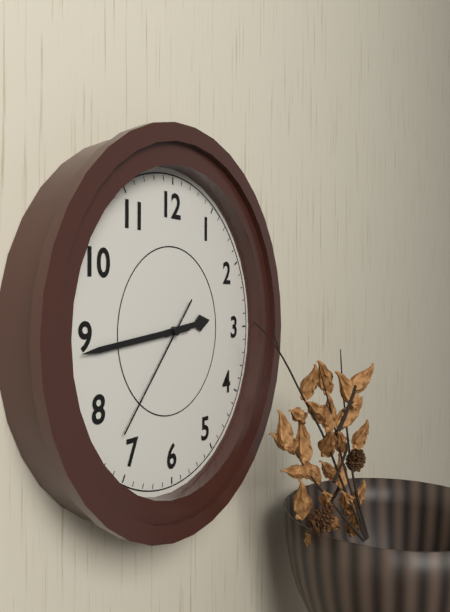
2:44:37
